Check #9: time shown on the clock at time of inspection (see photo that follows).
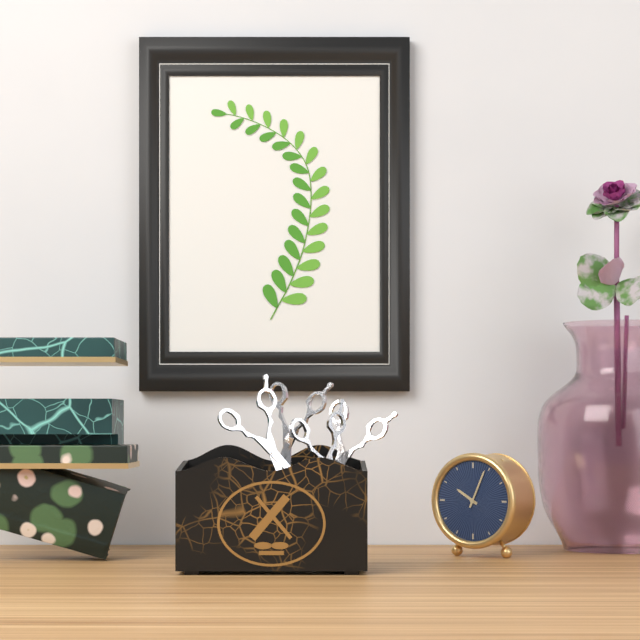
10:04
